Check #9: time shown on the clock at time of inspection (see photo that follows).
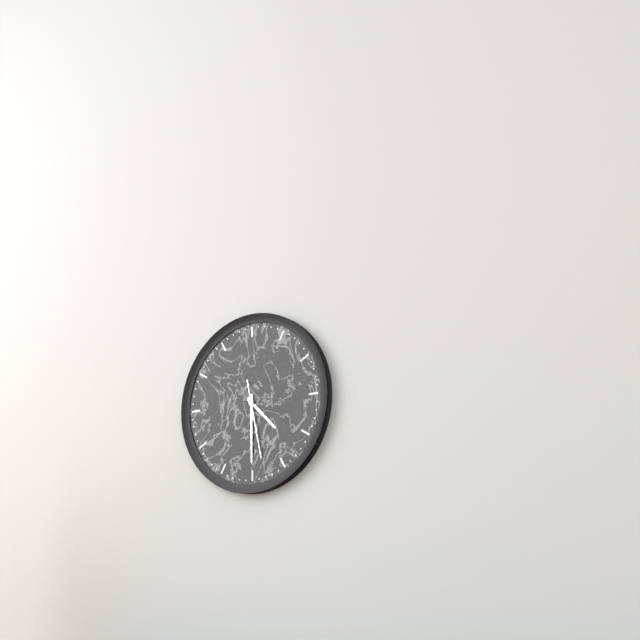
4:30:28
